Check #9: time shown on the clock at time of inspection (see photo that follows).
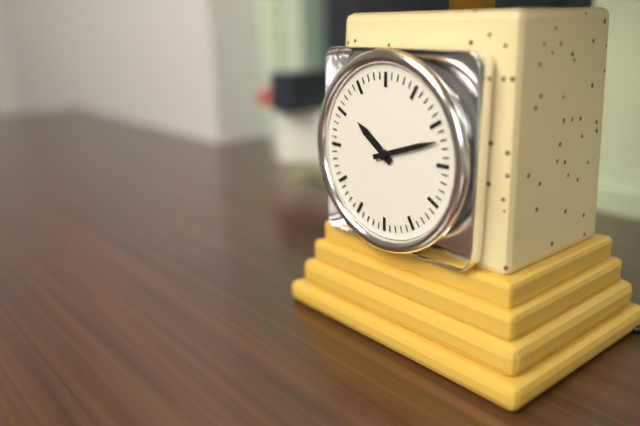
10:12
